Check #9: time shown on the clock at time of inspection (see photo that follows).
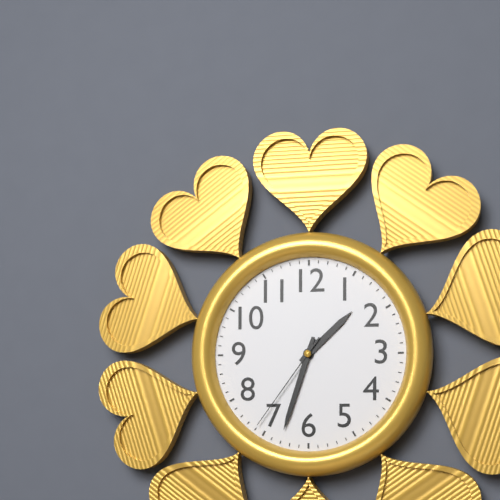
1:33:36
